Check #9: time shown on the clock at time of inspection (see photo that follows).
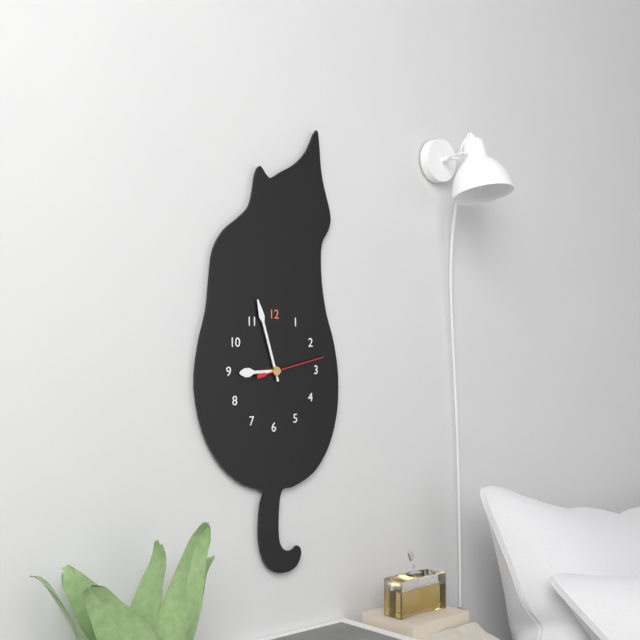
8:57:13
